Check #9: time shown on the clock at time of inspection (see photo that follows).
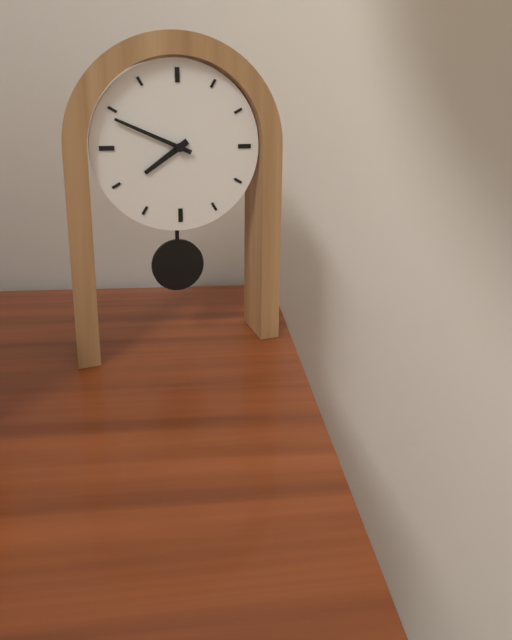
7:49
